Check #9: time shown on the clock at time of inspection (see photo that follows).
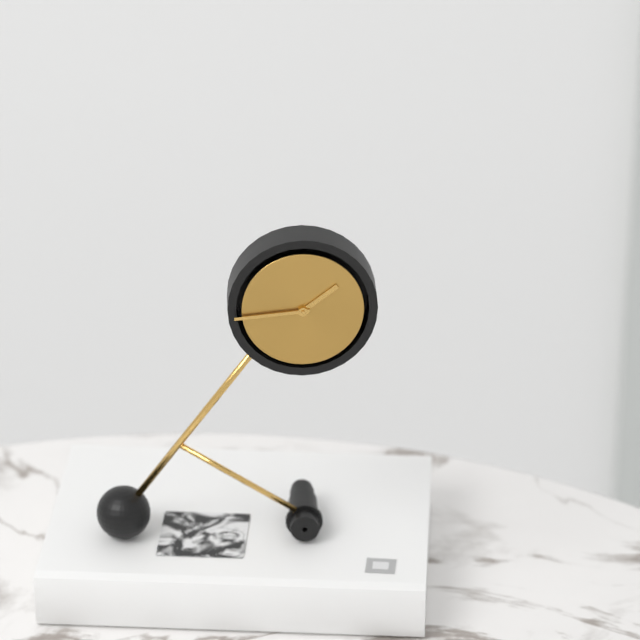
1:44
